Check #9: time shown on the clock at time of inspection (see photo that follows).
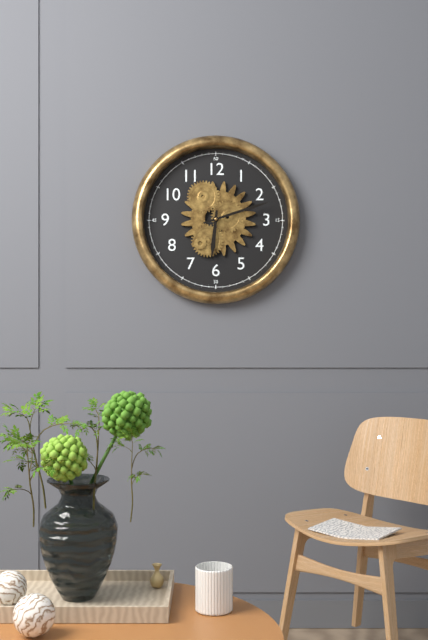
6:12
